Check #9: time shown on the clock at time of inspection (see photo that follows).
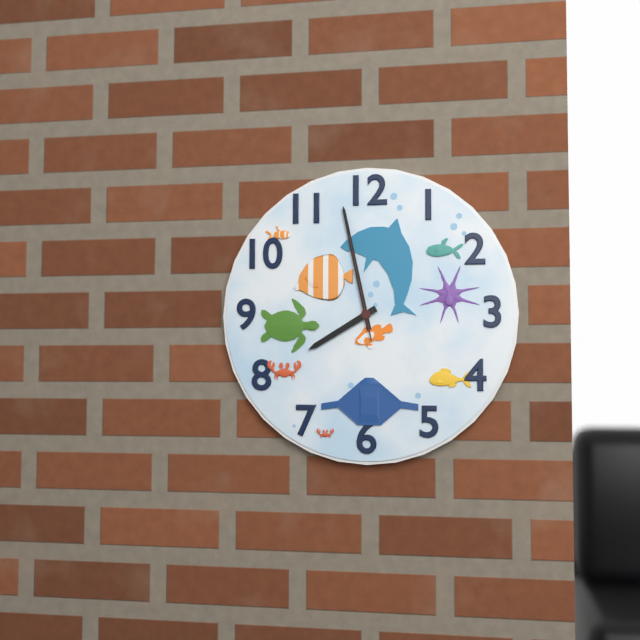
7:58:58
